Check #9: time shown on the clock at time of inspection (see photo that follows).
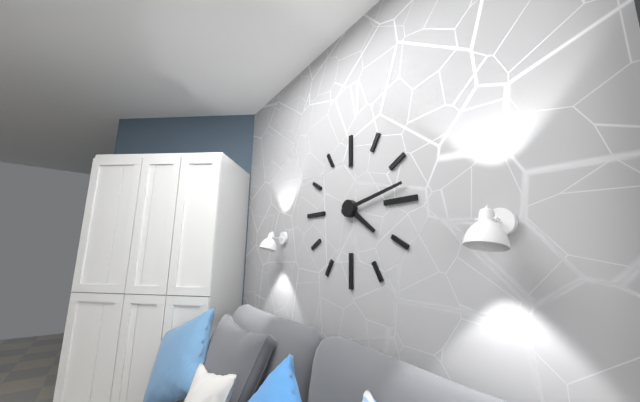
4:13
